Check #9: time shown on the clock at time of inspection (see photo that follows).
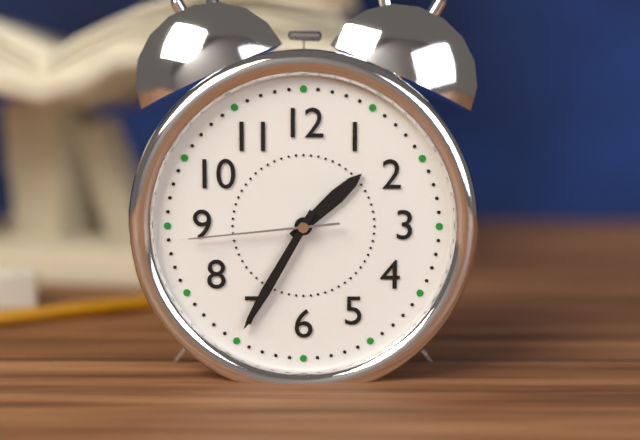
1:35:44
